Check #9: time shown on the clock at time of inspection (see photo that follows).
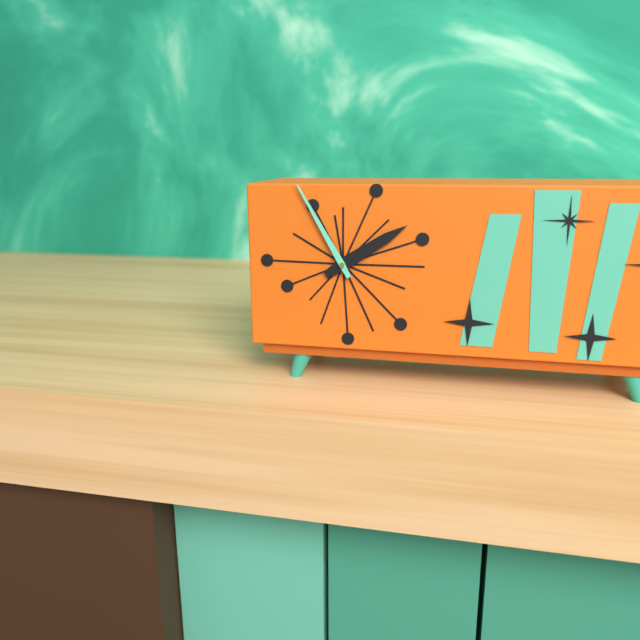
1:55
